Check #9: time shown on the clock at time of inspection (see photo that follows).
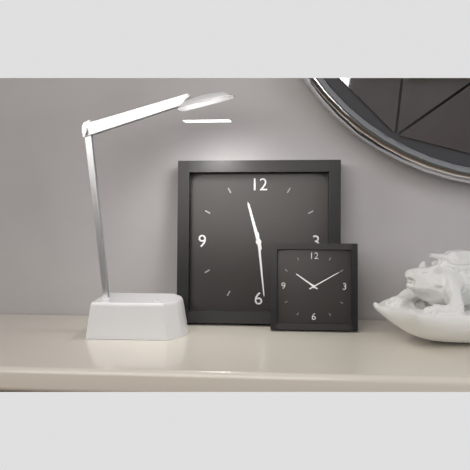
11:29
